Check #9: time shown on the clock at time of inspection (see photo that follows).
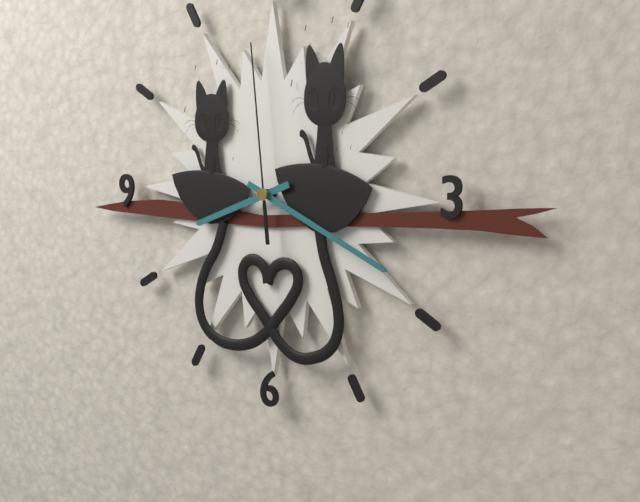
8:19:59
